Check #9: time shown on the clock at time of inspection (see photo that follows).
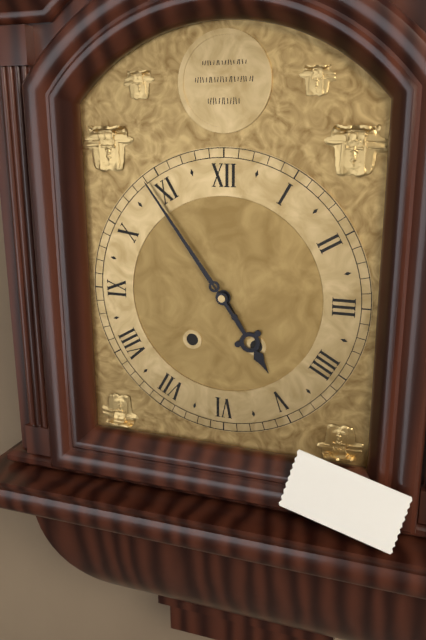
4:54
